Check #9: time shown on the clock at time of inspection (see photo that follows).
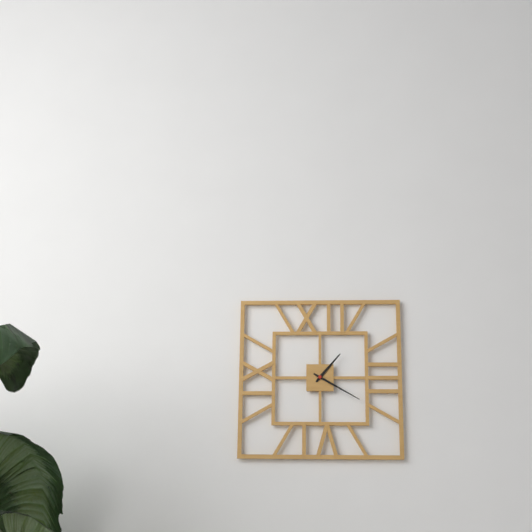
1:20
